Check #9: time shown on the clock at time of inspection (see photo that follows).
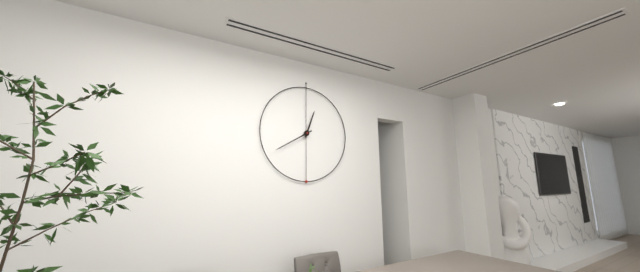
12:40
